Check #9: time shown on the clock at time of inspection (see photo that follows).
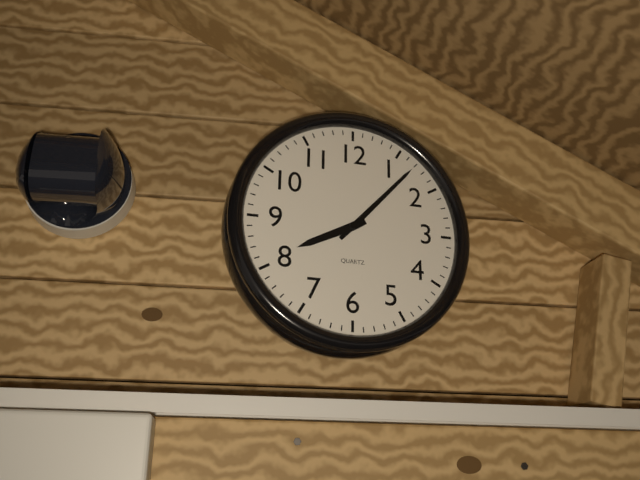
8:07
